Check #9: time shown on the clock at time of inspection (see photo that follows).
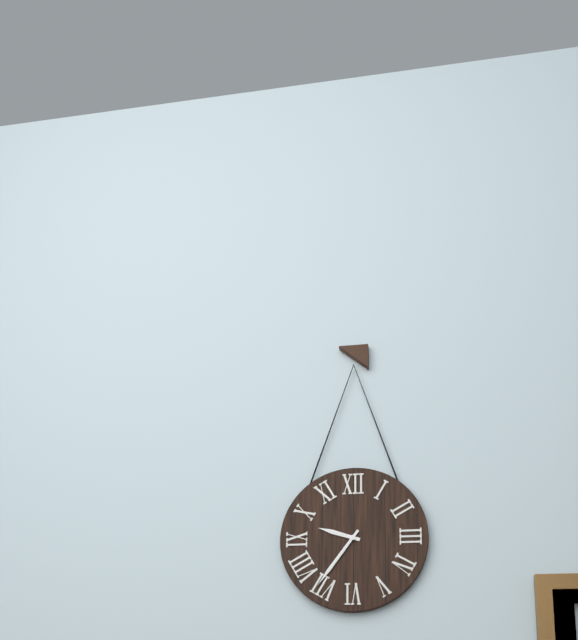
9:36
